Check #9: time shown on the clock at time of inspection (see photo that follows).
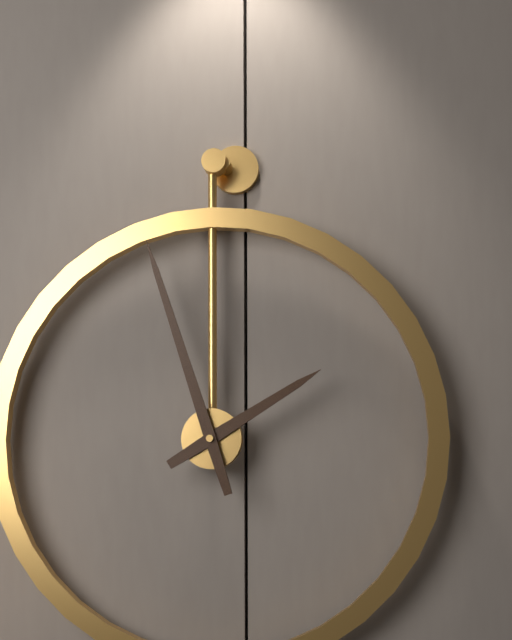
1:57
